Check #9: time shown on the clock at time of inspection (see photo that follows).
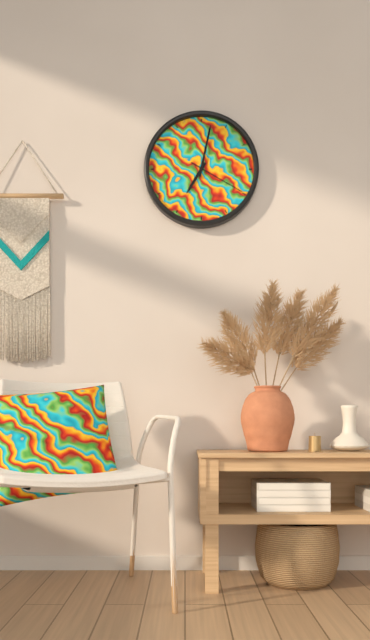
7:02:20
